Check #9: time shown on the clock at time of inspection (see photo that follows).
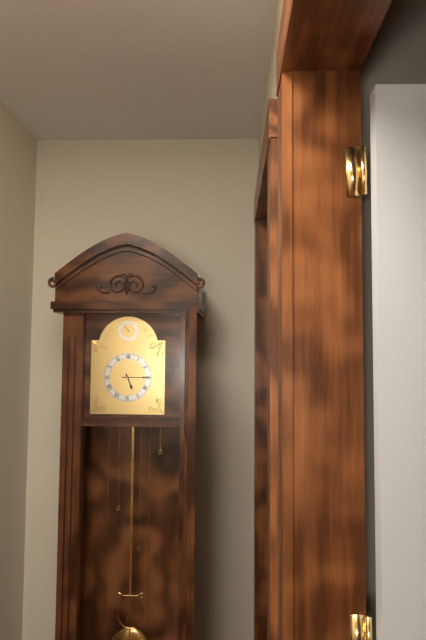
5:15
